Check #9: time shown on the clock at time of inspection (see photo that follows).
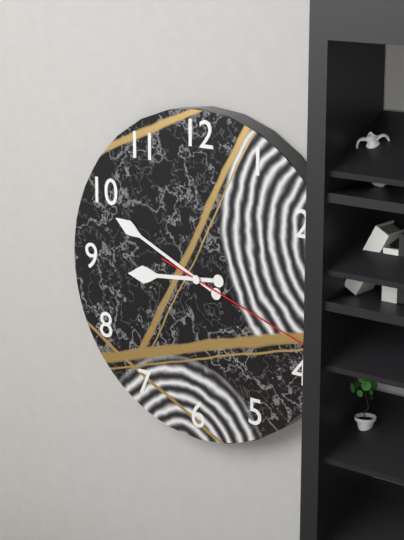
8:49:18
